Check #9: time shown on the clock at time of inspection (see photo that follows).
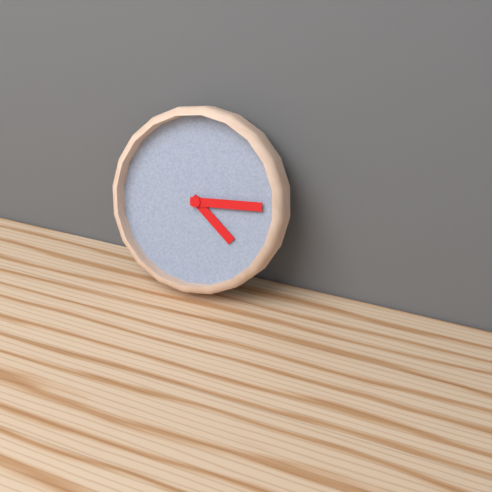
4:14
